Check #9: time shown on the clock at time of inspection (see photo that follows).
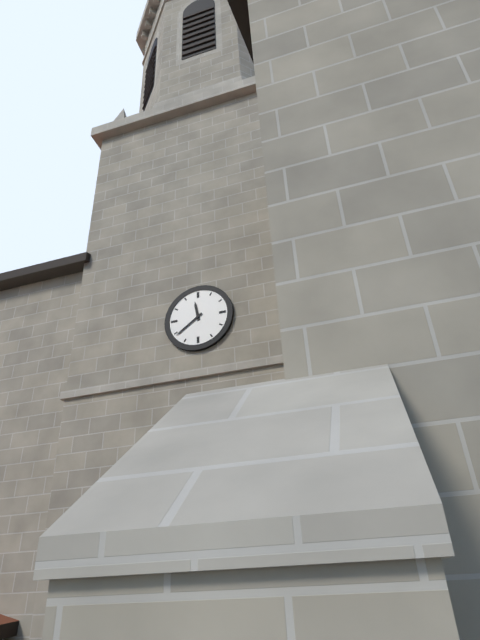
11:39
